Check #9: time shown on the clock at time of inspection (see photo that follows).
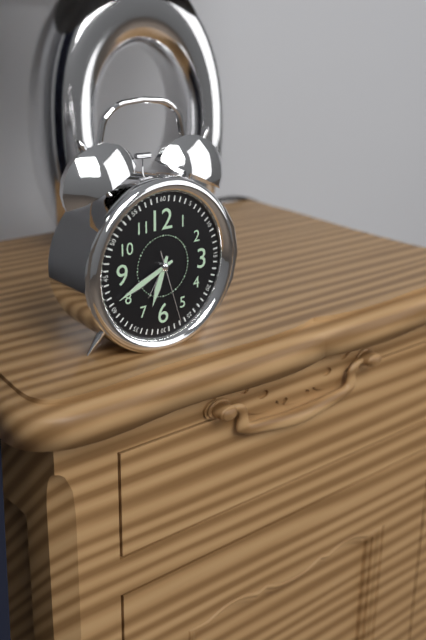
6:41:27
